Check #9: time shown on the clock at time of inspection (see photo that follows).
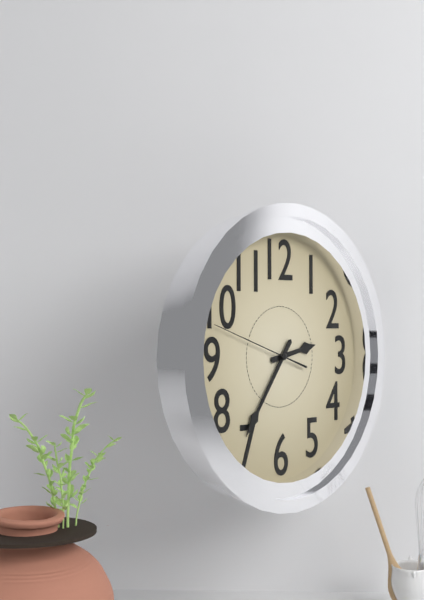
2:36:48
